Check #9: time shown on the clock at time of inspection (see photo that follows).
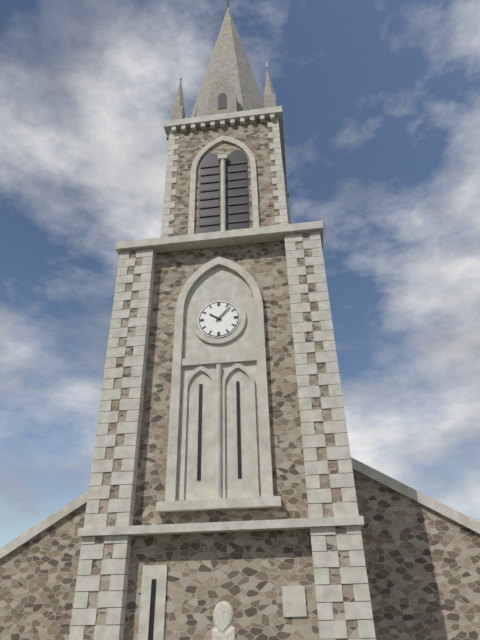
10:07
